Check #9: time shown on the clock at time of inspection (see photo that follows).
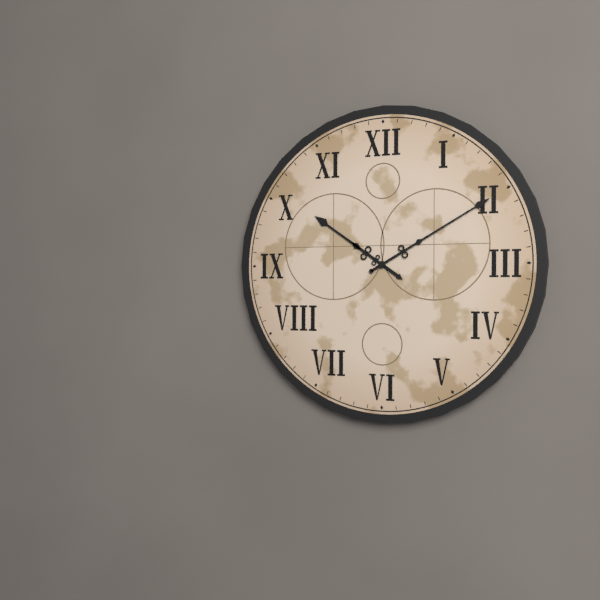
10:10
